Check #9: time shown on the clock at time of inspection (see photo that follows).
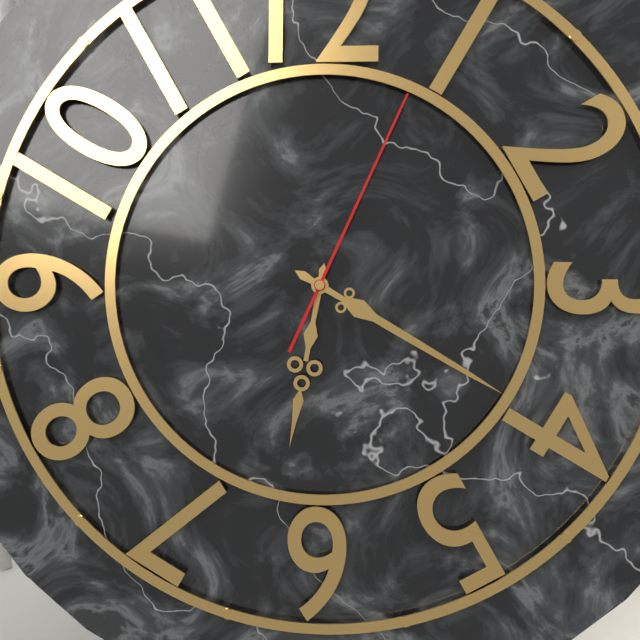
6:20:04
